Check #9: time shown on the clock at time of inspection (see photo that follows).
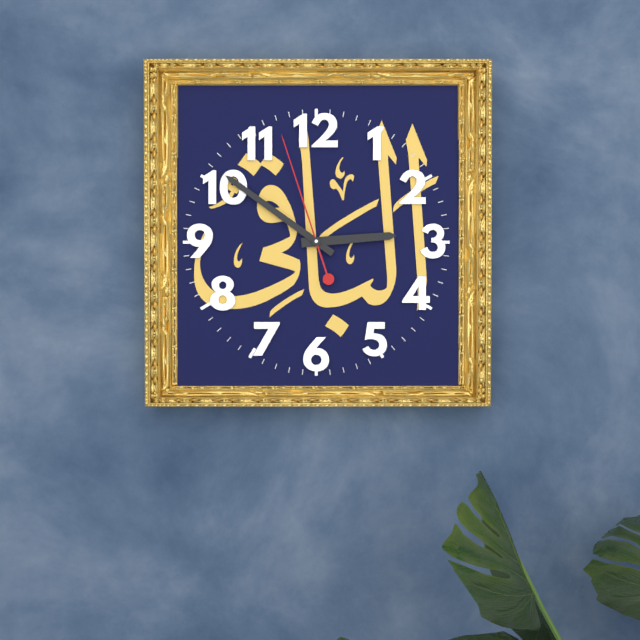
2:51:57
